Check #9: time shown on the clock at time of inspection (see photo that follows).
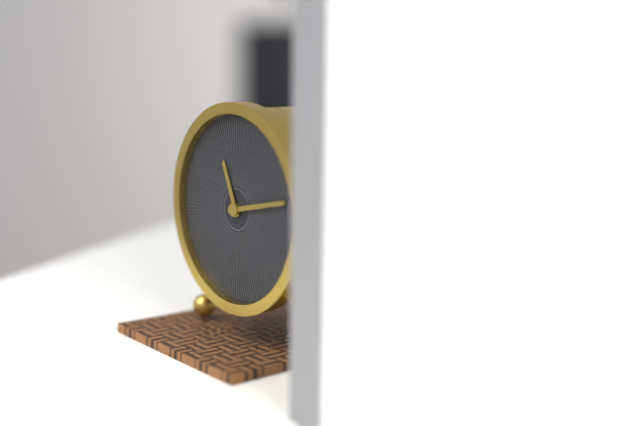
11:13
